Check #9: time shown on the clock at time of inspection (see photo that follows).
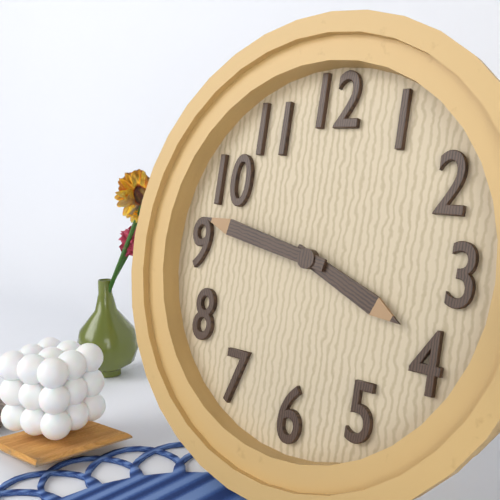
3:47
